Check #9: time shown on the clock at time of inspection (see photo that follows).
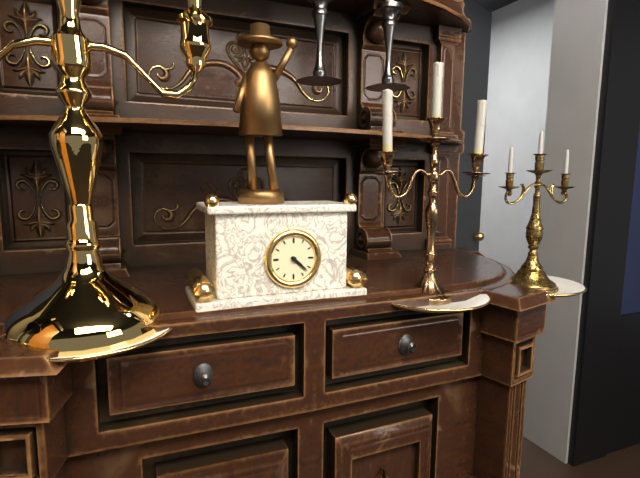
4:22
